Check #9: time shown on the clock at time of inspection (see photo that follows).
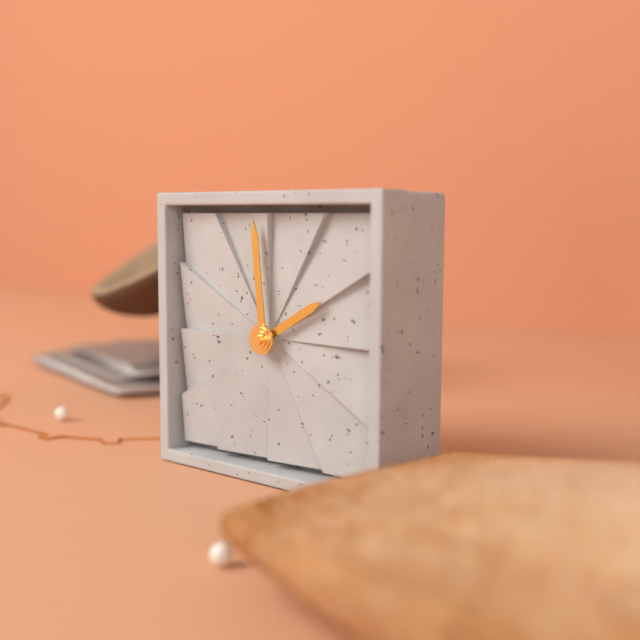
1:59
